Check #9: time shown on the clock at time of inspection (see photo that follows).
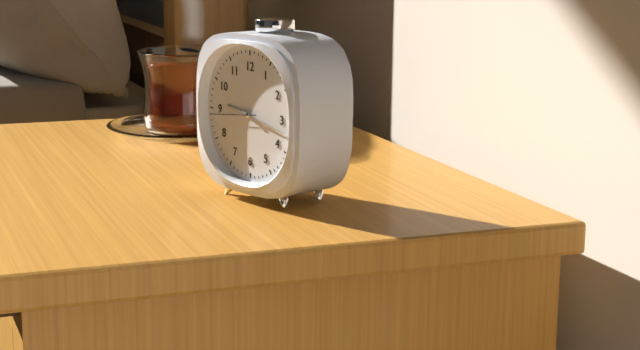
9:17
